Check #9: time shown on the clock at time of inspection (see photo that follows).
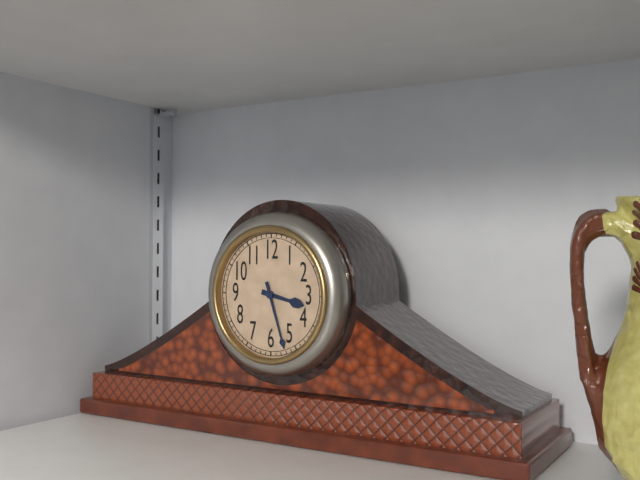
3:27
